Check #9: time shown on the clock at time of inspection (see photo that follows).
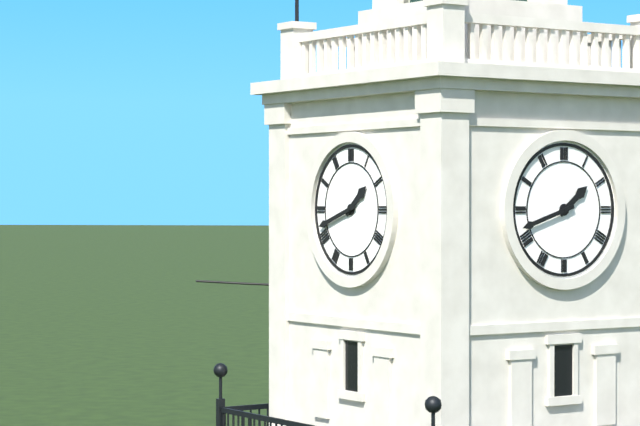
1:42
